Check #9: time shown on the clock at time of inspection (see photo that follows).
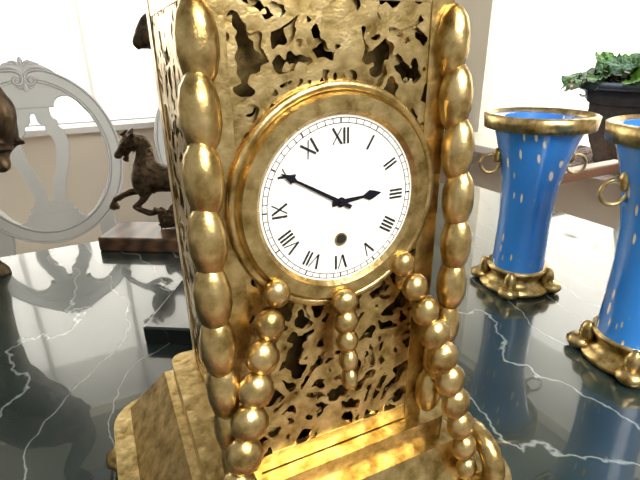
2:50
